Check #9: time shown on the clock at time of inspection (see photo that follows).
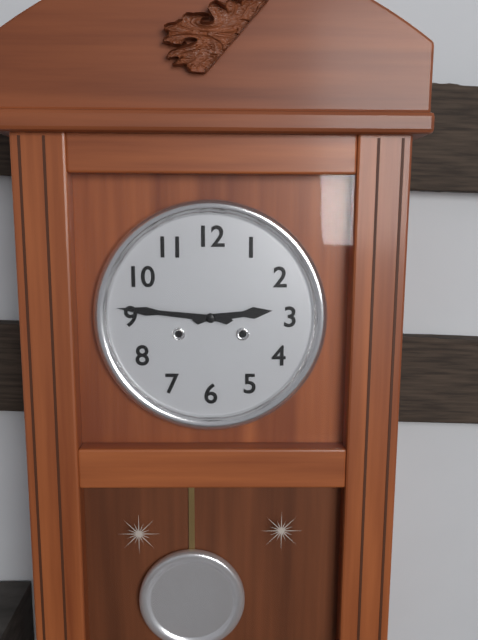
2:46
